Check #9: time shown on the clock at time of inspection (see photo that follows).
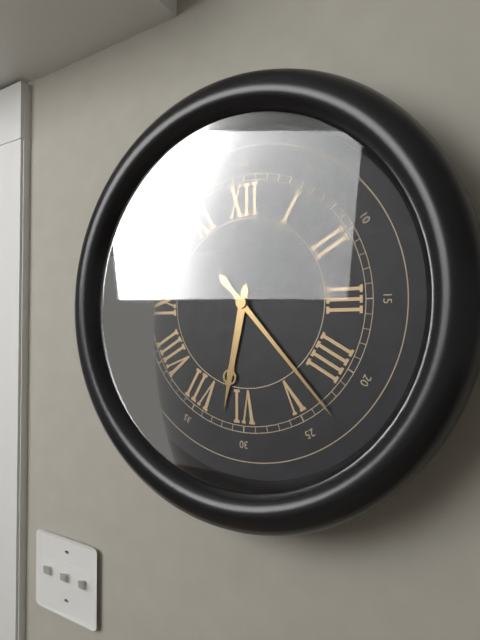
6:23
